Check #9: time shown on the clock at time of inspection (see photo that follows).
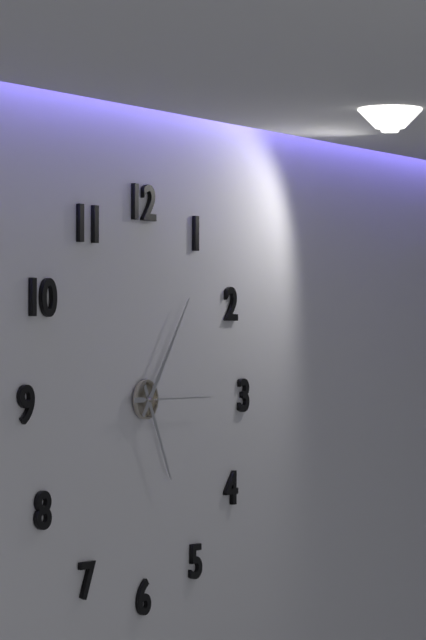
5:06:15
